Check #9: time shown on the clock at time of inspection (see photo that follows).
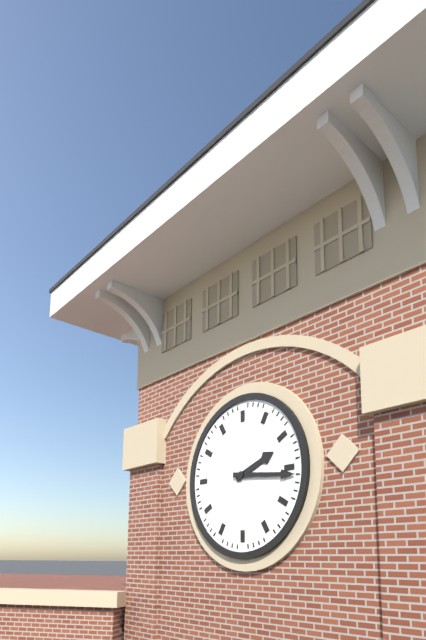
2:16
